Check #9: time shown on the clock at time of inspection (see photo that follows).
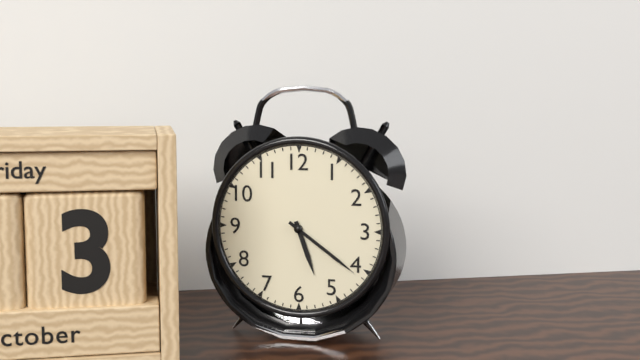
5:21
